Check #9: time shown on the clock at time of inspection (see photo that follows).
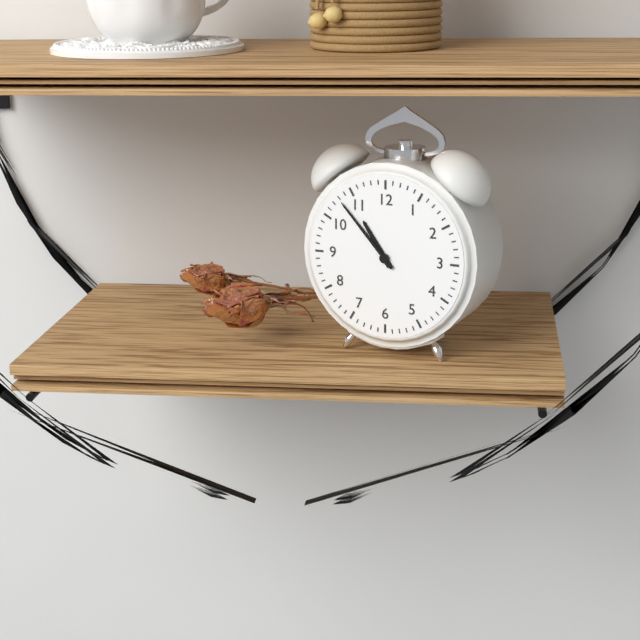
10:53
